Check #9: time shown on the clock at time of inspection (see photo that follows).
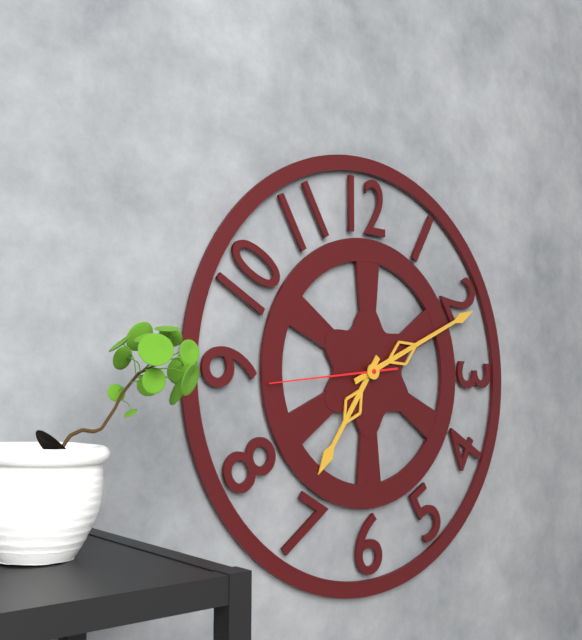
7:11:44
